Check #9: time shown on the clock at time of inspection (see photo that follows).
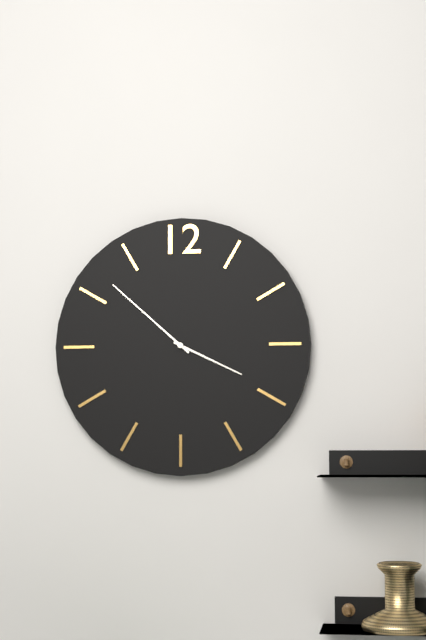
3:52
